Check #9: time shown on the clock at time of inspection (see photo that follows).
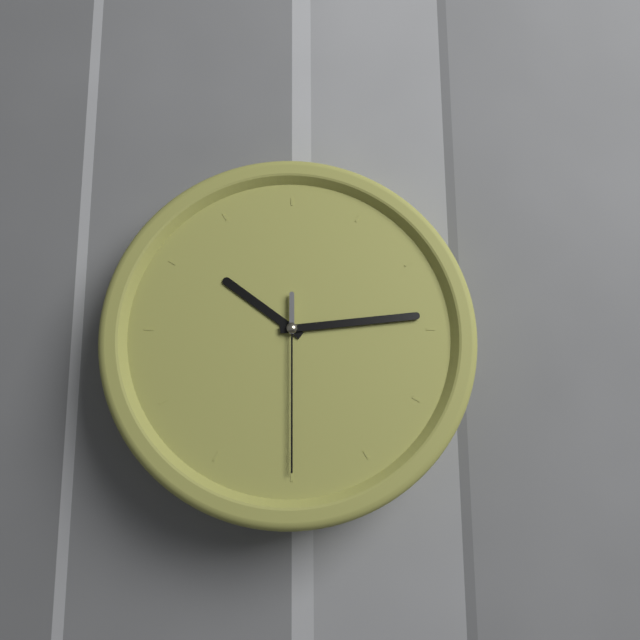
10:14:30
